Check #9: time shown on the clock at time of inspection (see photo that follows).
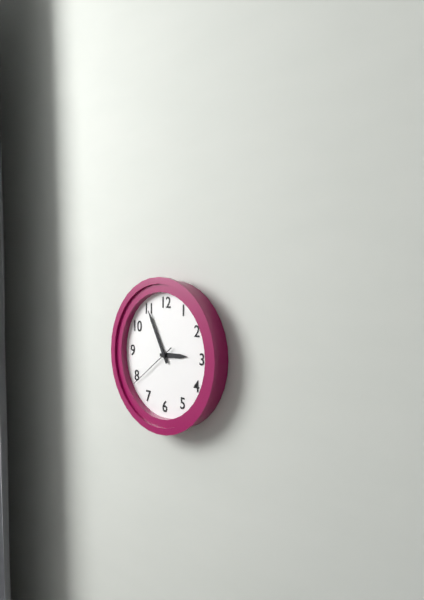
2:55:39
